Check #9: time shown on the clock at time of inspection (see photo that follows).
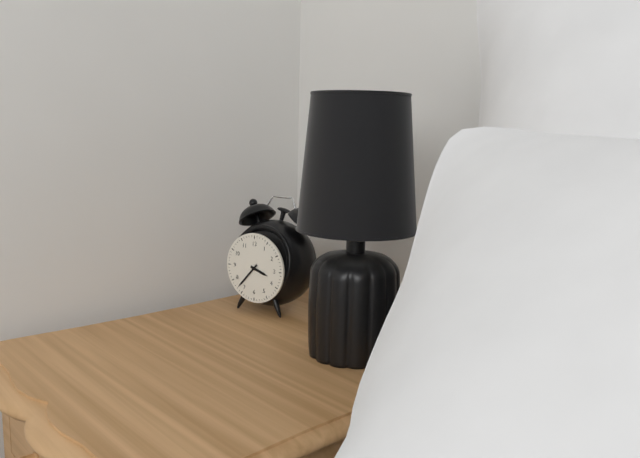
3:37
